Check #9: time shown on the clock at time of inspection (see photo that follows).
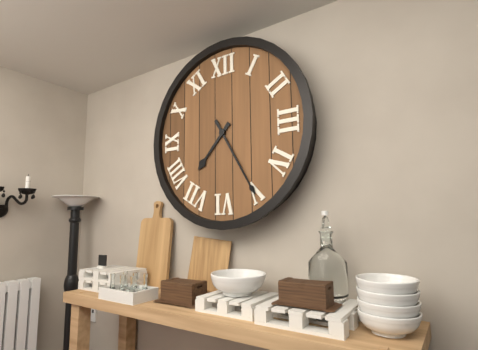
7:25
